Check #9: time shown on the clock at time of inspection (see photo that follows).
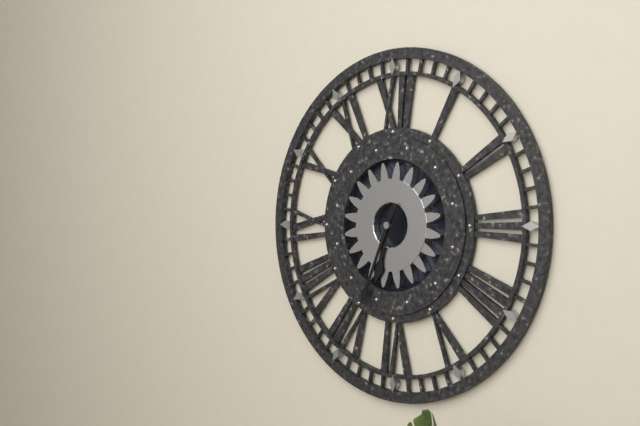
6:34
